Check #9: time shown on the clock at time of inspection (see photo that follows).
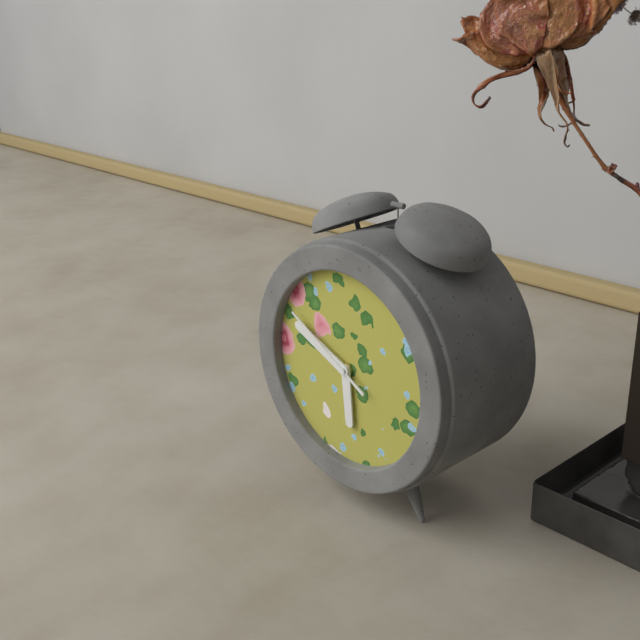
5:49:50
